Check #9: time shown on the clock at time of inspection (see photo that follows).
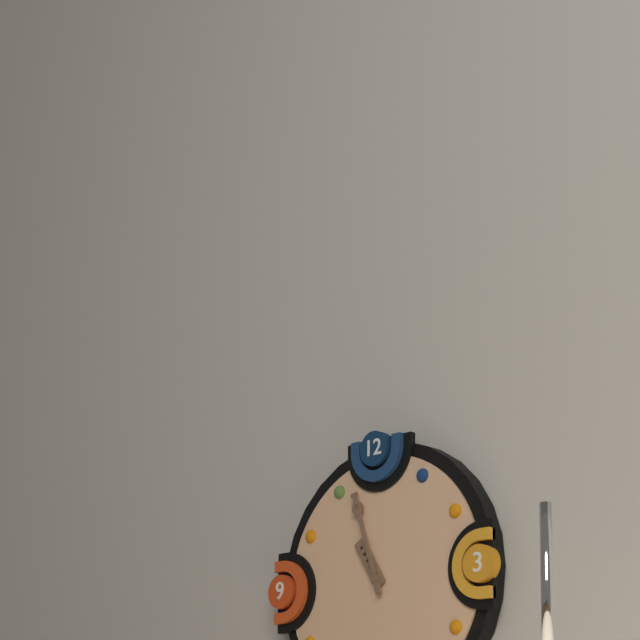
10:57
